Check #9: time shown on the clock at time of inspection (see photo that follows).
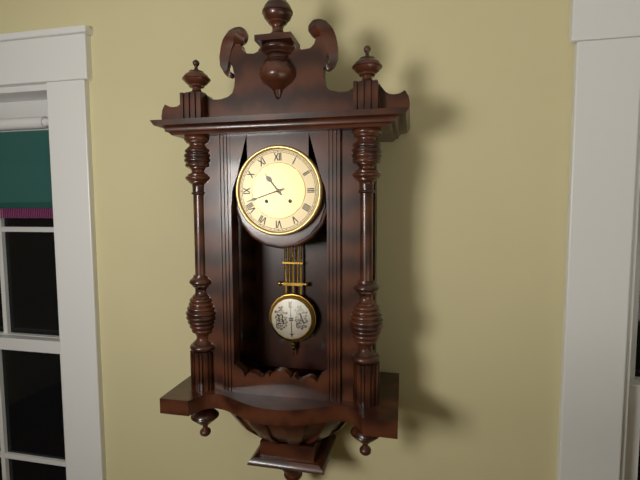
10:42
